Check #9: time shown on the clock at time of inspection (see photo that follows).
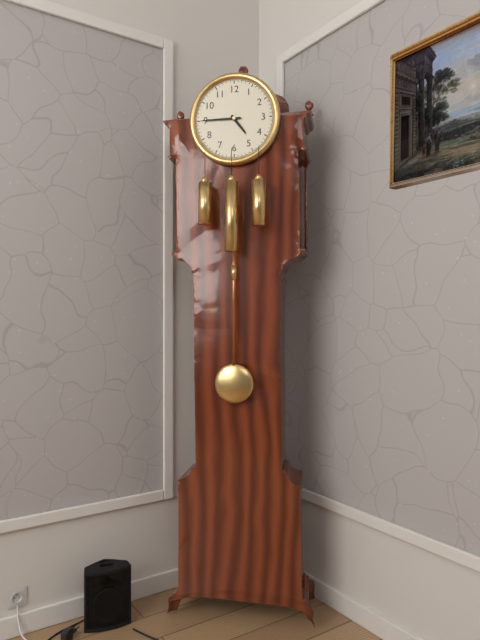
4:45
